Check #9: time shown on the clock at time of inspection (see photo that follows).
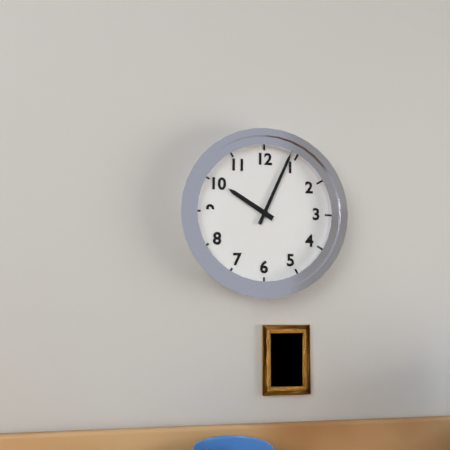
10:04
